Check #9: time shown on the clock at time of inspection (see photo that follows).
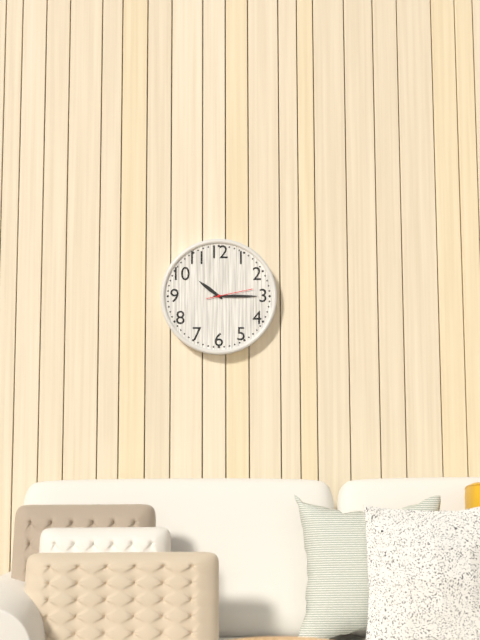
10:15
